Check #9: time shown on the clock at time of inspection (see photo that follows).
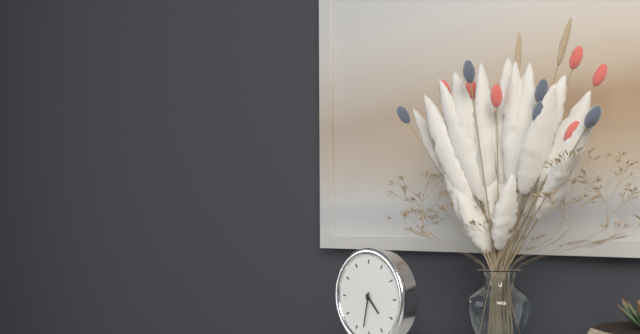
4:32
